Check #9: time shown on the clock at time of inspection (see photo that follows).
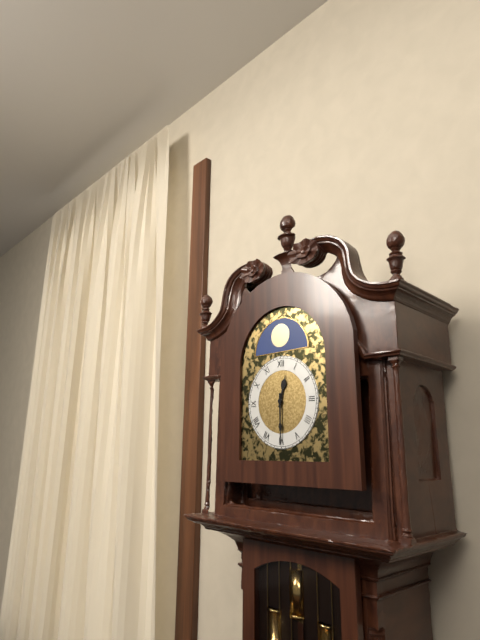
12:30
